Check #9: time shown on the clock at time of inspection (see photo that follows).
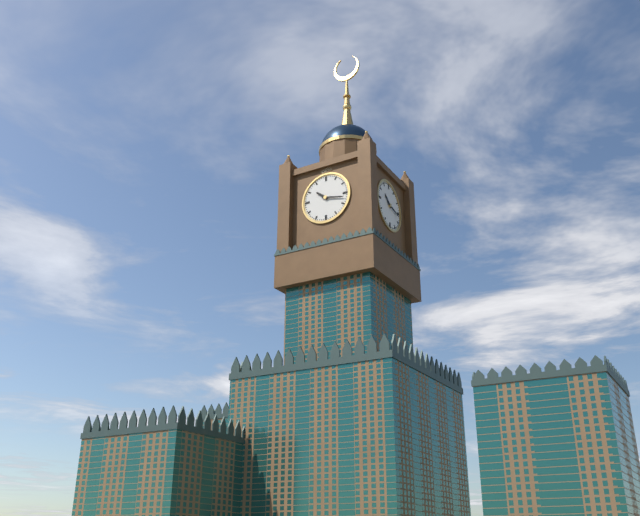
10:17
